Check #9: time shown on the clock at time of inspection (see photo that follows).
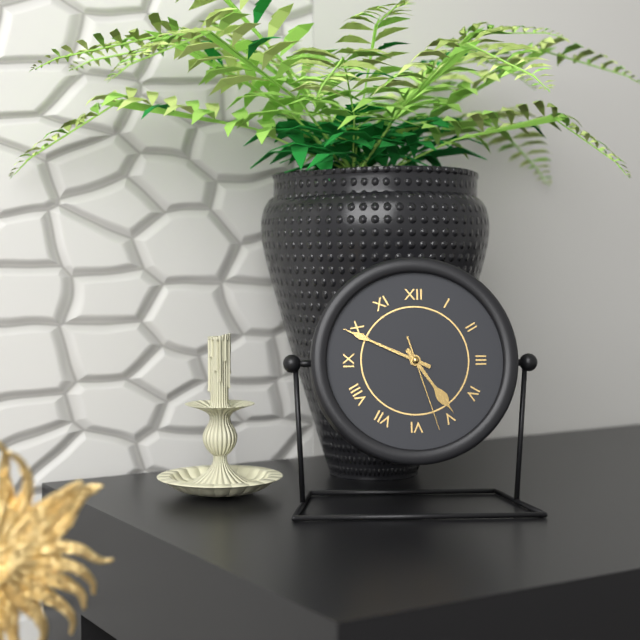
4:49:27
